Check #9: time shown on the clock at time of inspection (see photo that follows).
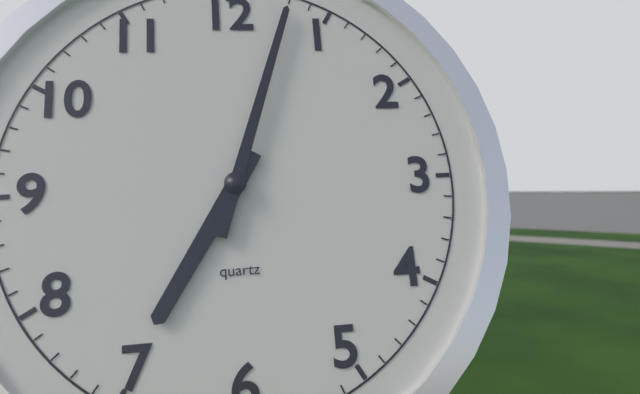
7:03
